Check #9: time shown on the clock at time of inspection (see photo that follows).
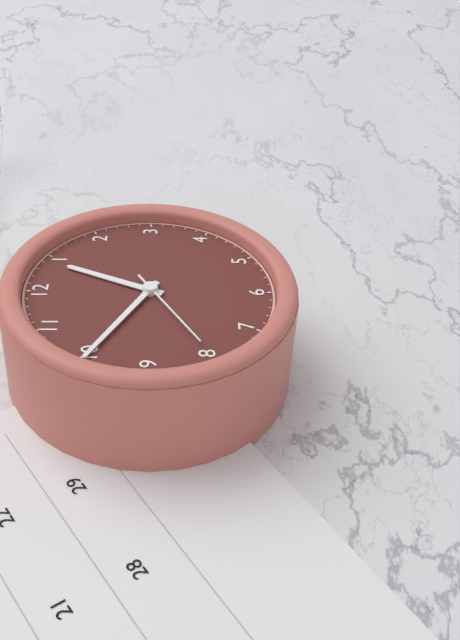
12:50:40
